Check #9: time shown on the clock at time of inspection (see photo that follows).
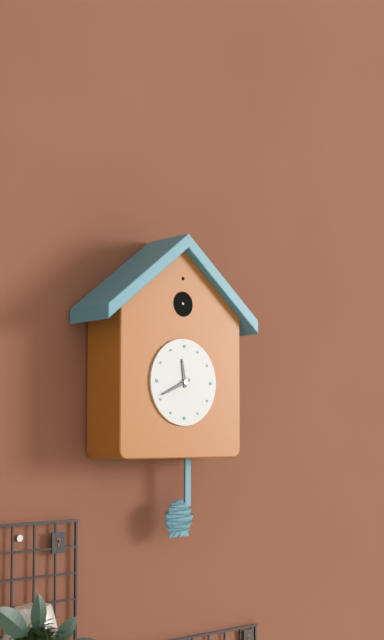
11:41
